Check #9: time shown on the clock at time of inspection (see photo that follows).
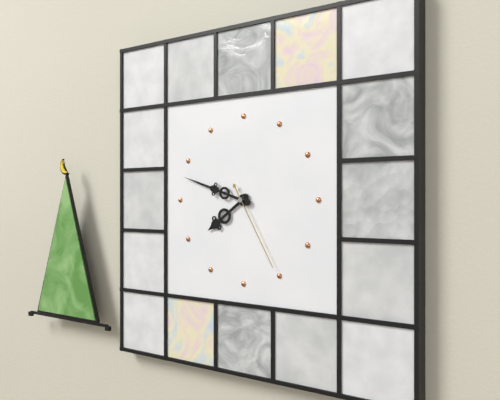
7:48:25
